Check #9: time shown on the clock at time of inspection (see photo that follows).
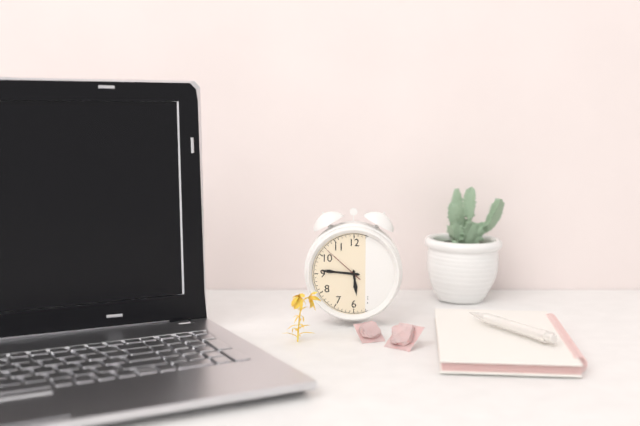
5:46
